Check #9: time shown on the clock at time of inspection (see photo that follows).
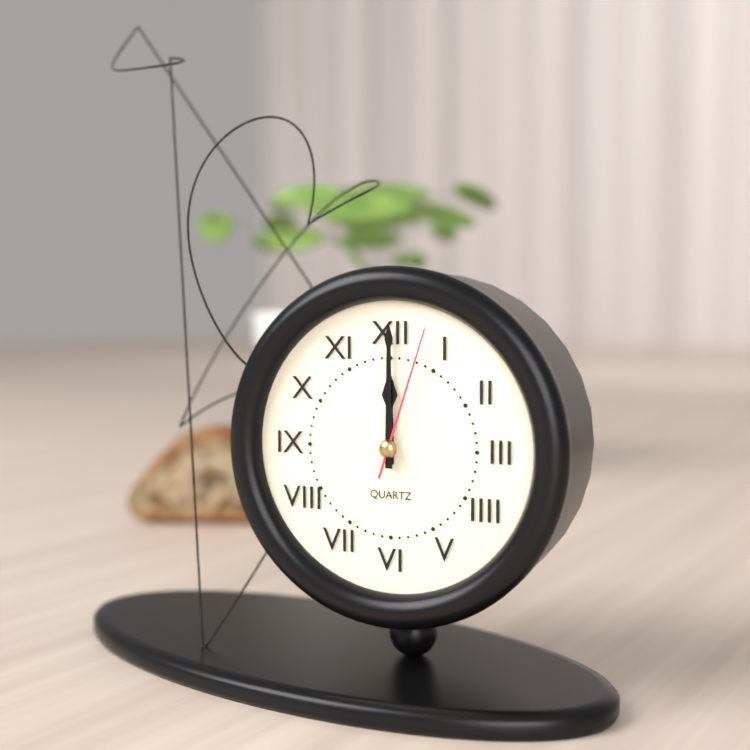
12:00:03
